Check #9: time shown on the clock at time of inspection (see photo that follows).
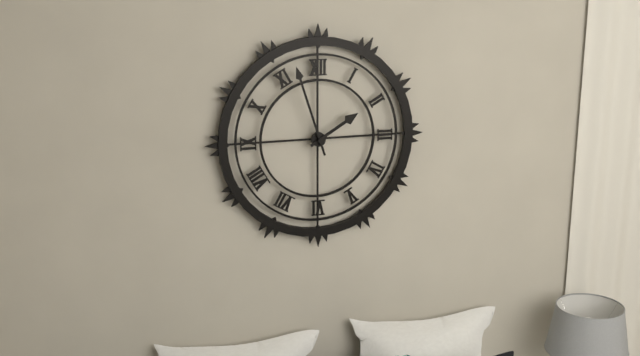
1:57
